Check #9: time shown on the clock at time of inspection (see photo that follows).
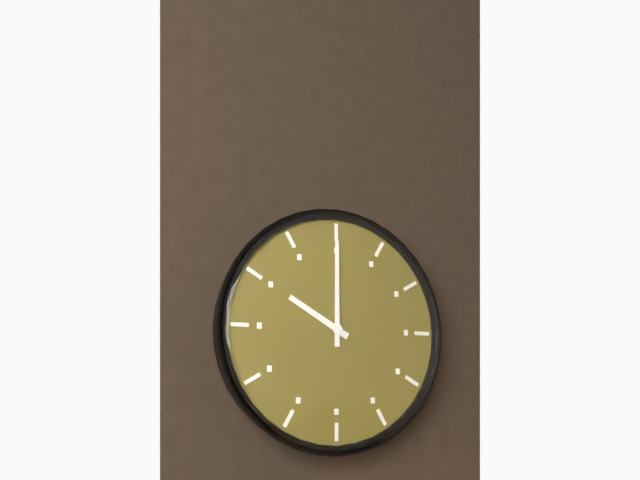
10:00
